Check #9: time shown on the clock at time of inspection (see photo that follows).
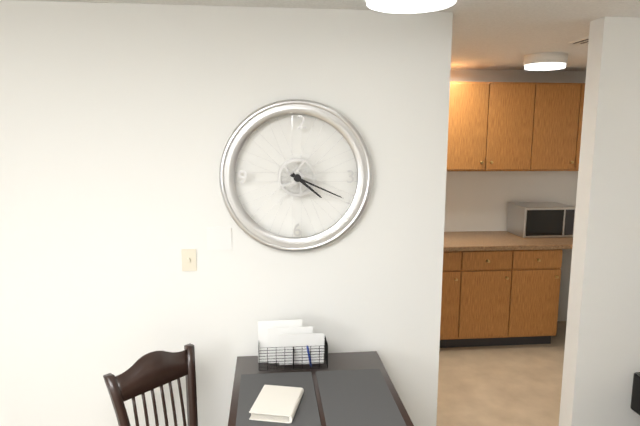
4:19
